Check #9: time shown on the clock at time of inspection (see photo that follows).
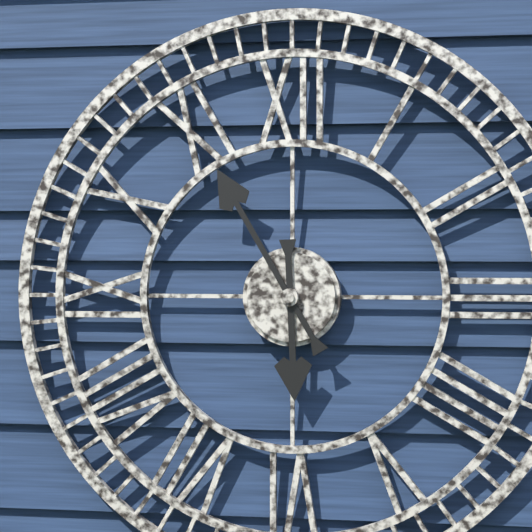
5:55
